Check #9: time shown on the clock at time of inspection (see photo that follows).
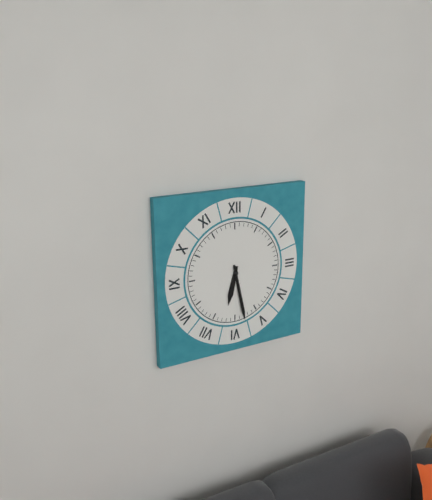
6:28
